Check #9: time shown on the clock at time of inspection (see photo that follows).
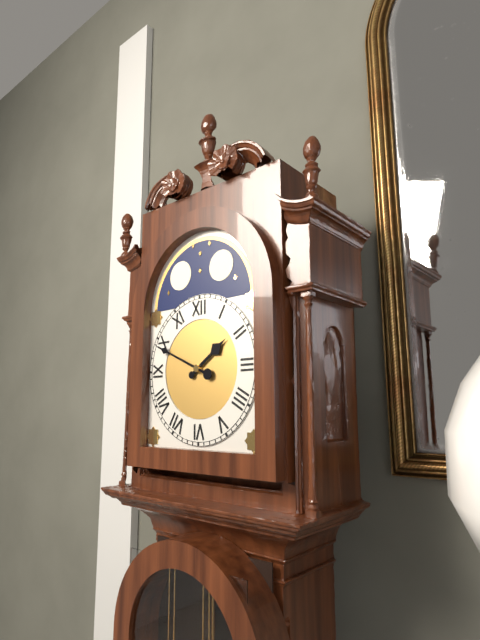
1:49
